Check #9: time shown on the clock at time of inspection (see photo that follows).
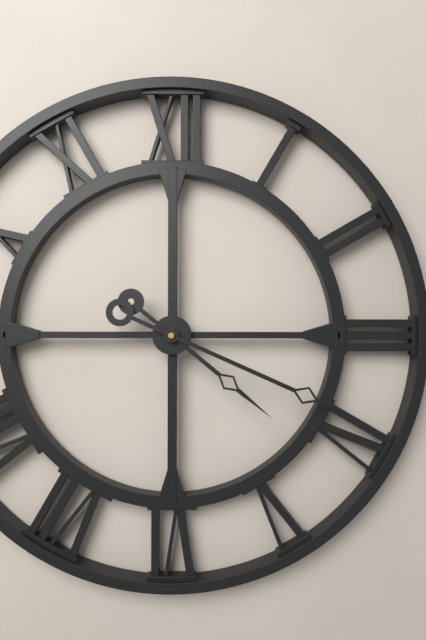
4:19
